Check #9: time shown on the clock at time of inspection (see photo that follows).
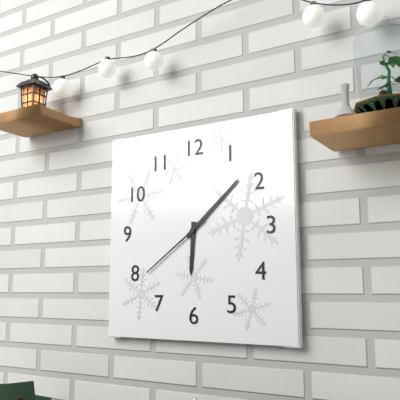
6:08:39
